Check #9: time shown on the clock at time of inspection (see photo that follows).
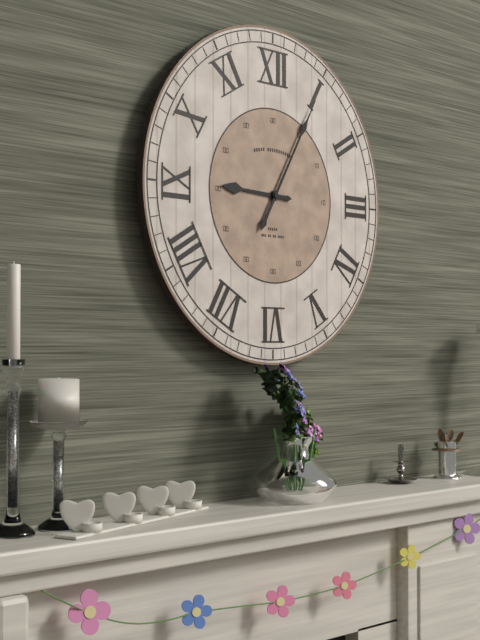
9:05
